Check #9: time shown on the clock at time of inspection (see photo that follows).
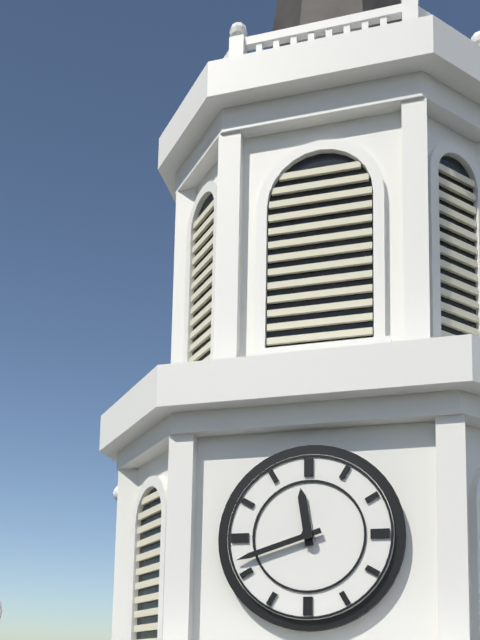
11:42
